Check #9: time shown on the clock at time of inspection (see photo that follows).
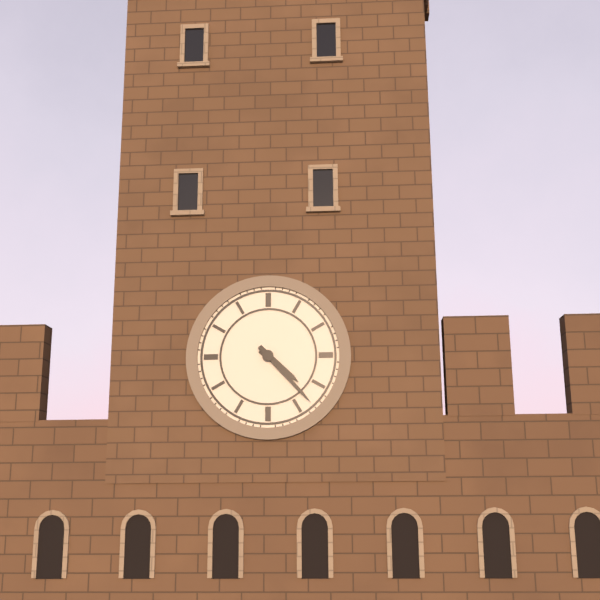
4:23
